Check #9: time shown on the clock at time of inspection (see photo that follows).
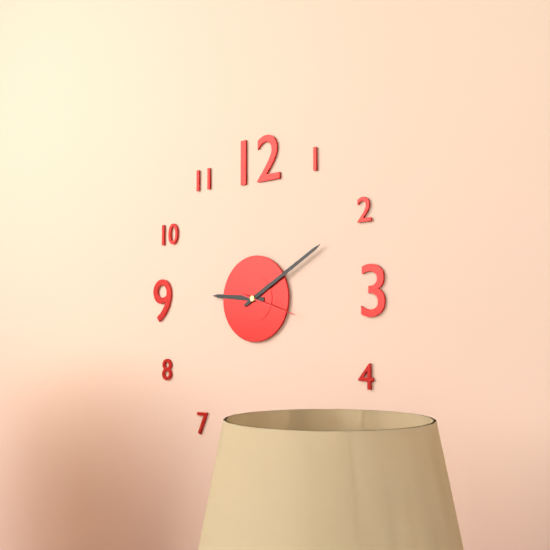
9:10:18
